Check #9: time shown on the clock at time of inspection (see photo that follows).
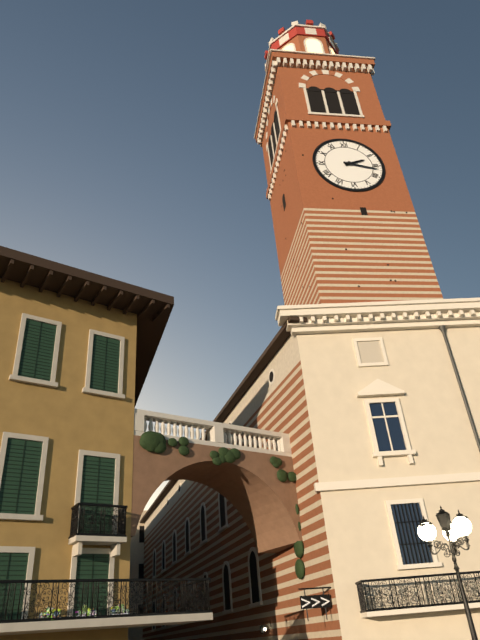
2:17
